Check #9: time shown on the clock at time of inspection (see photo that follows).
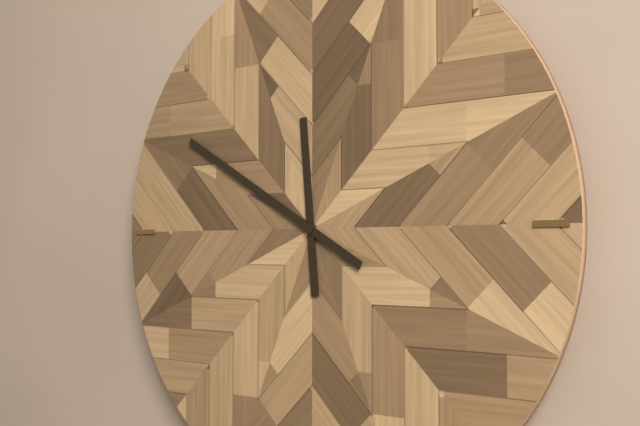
11:50
